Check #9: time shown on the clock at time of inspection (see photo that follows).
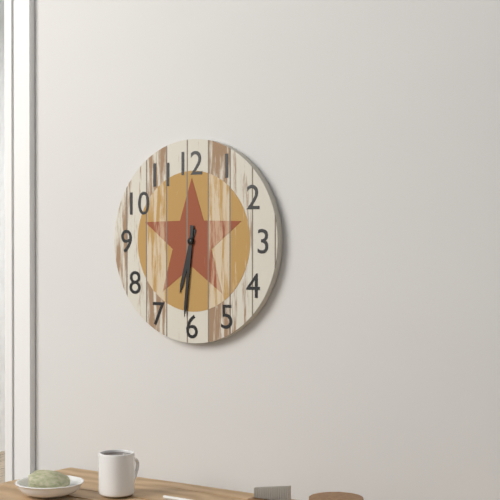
6:31
